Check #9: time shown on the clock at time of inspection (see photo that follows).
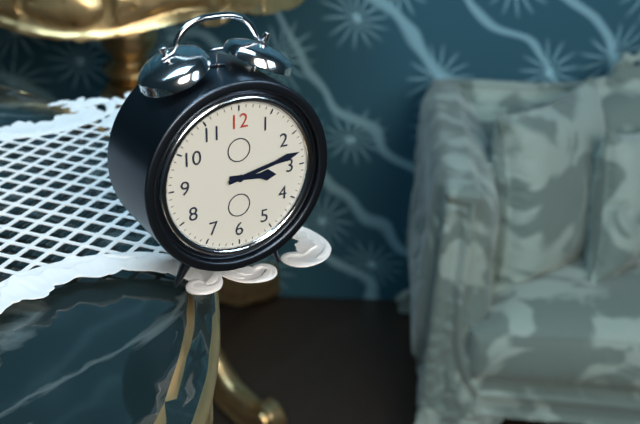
3:13
